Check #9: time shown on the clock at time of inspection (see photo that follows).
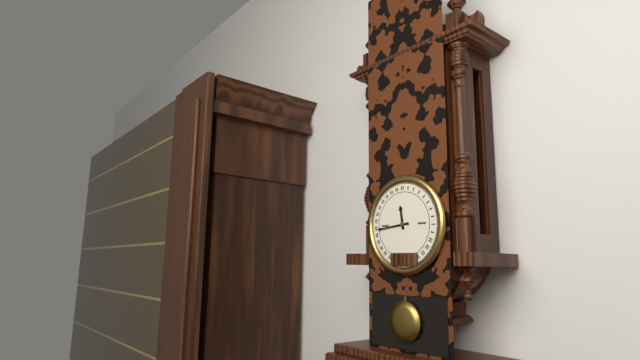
11:44
